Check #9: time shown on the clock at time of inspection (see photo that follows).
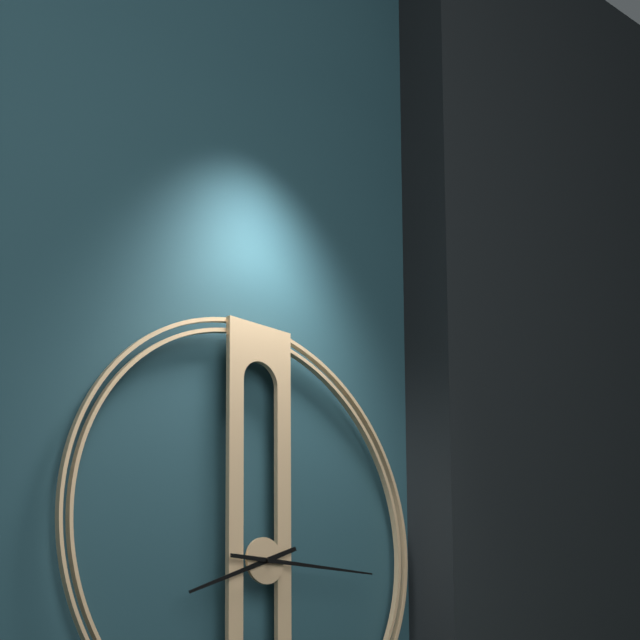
8:15
